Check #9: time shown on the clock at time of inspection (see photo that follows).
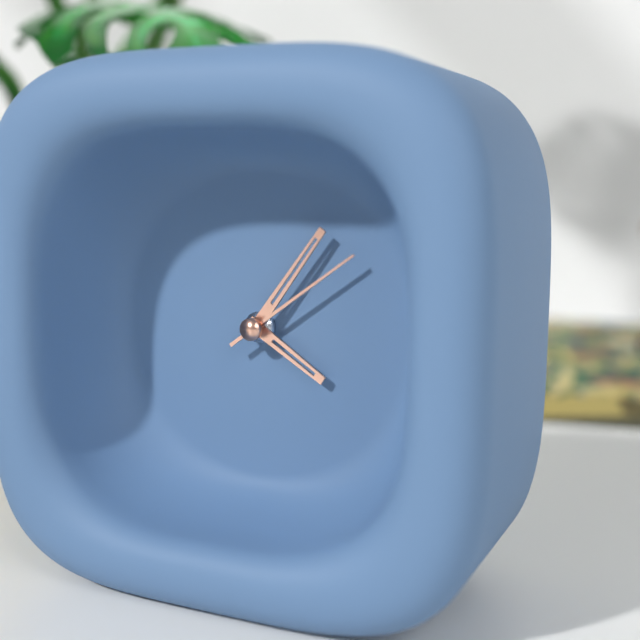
4:06:09
